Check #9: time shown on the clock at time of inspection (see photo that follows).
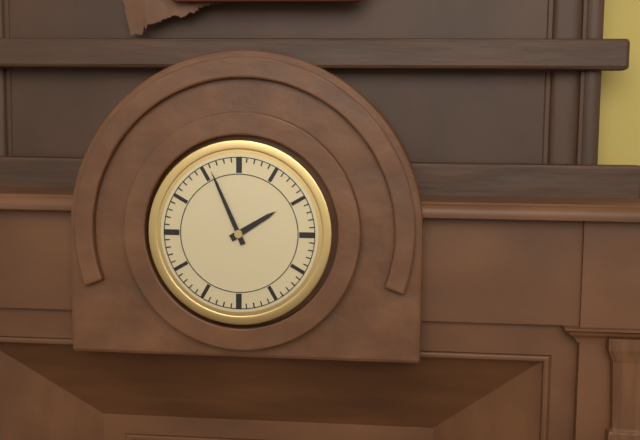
1:56
